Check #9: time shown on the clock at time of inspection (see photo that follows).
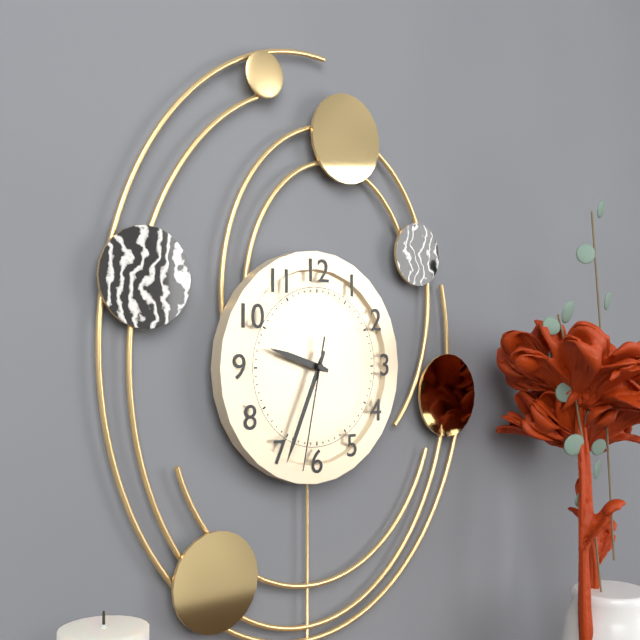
9:34:32
